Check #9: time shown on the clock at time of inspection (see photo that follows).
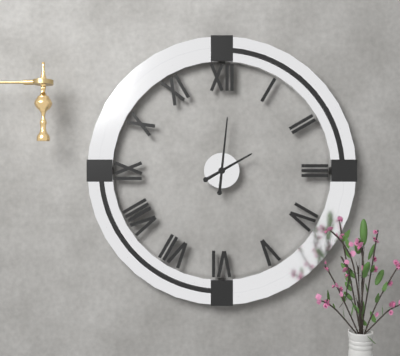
2:01
